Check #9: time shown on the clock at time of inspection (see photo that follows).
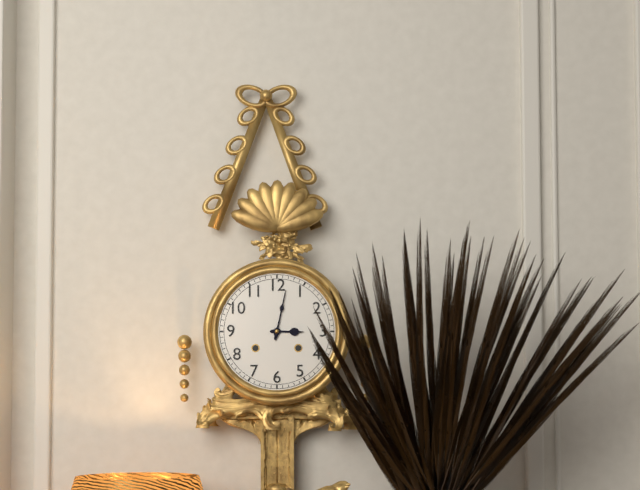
3:02
